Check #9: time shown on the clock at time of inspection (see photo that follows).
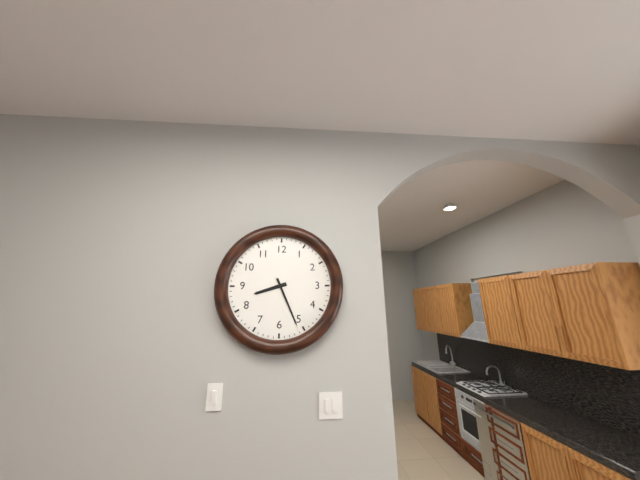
8:26
